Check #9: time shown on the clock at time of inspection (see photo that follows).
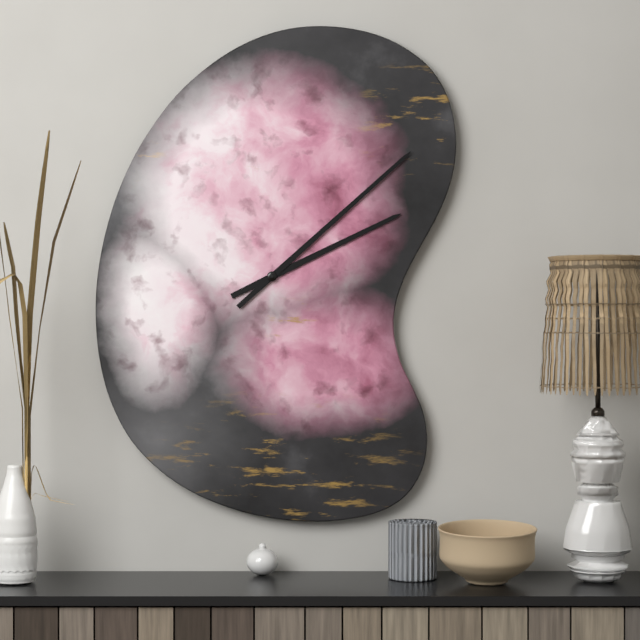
2:08
